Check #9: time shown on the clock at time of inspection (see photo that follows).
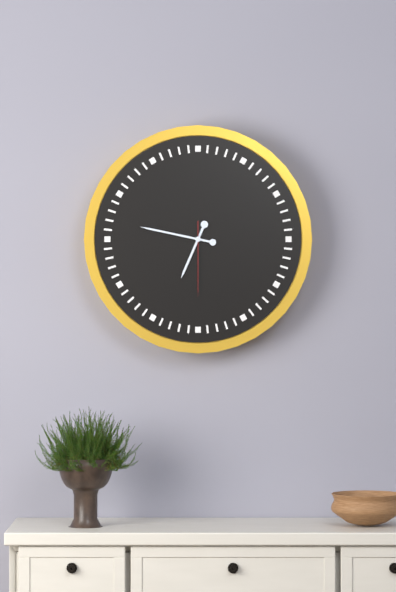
6:47:30
